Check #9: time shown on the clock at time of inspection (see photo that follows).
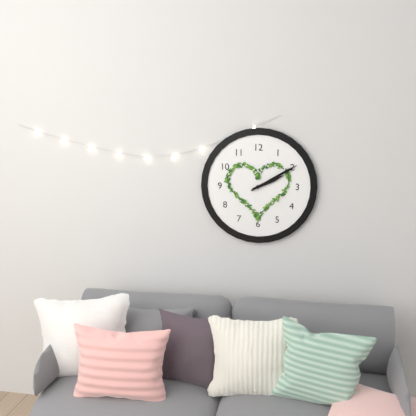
2:10
